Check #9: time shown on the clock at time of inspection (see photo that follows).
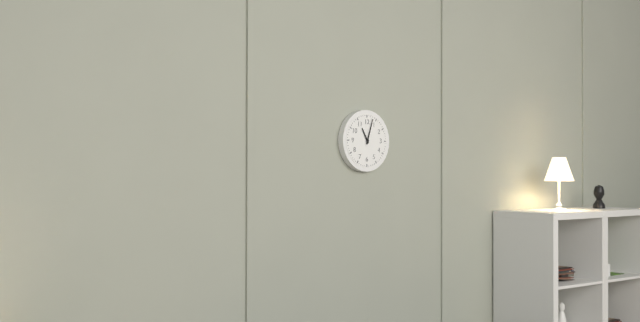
11:03
